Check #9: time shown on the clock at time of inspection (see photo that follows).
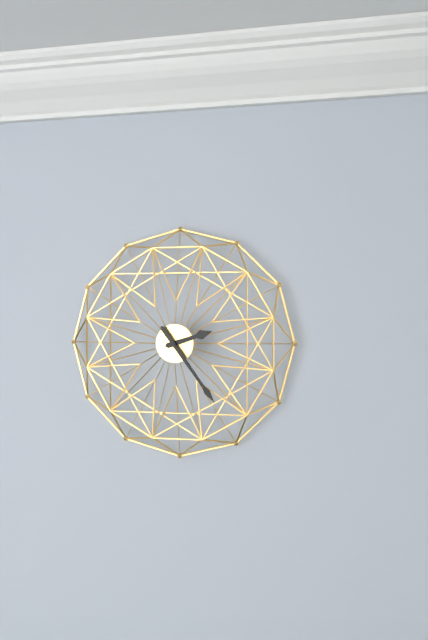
2:24
